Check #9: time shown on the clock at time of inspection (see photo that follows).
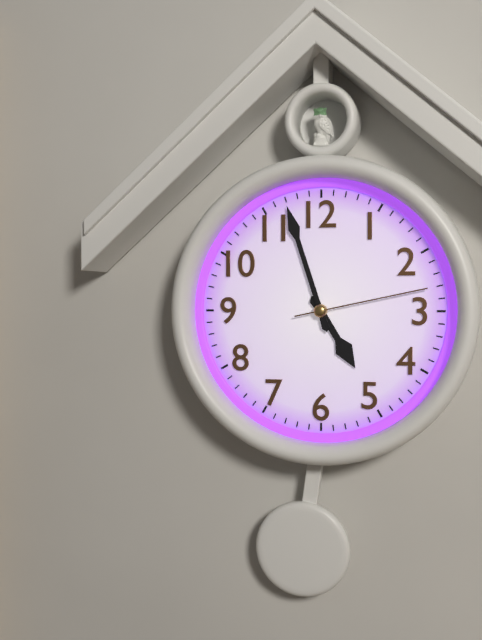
4:57:13
